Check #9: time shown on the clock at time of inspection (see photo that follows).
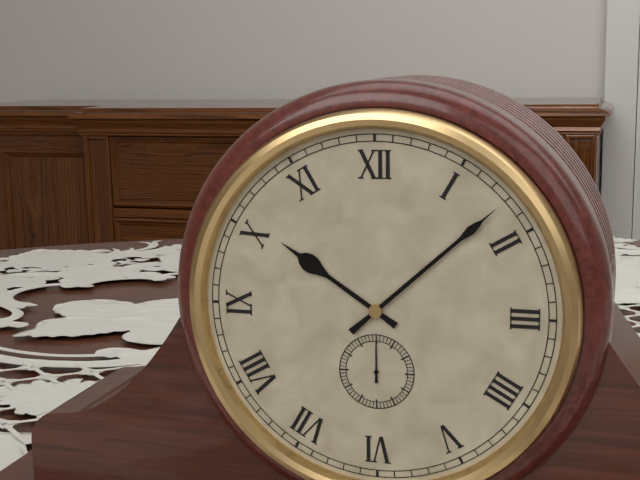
10:08
